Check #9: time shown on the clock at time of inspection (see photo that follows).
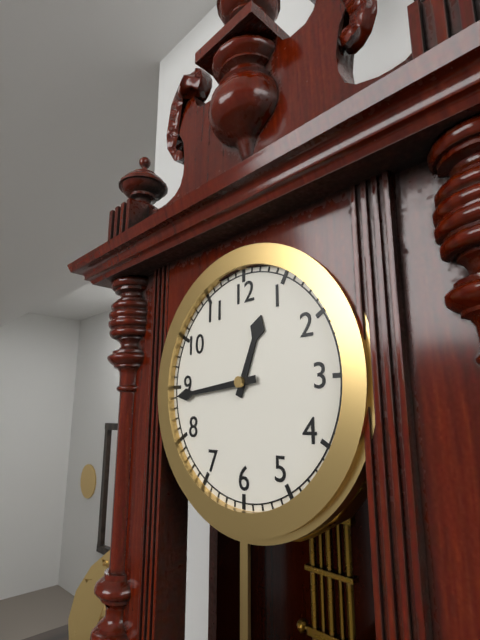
12:44
